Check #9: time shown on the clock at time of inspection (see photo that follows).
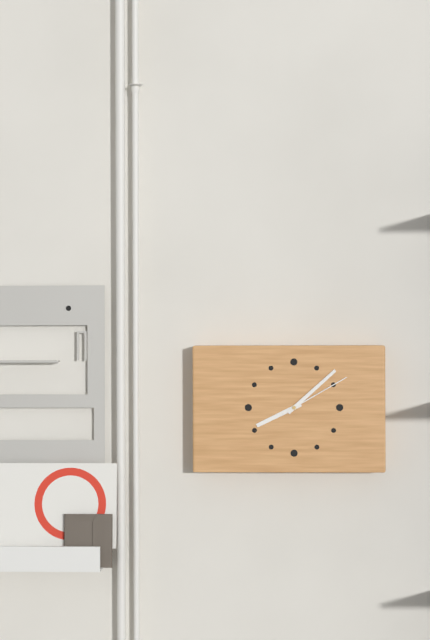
8:08:10
